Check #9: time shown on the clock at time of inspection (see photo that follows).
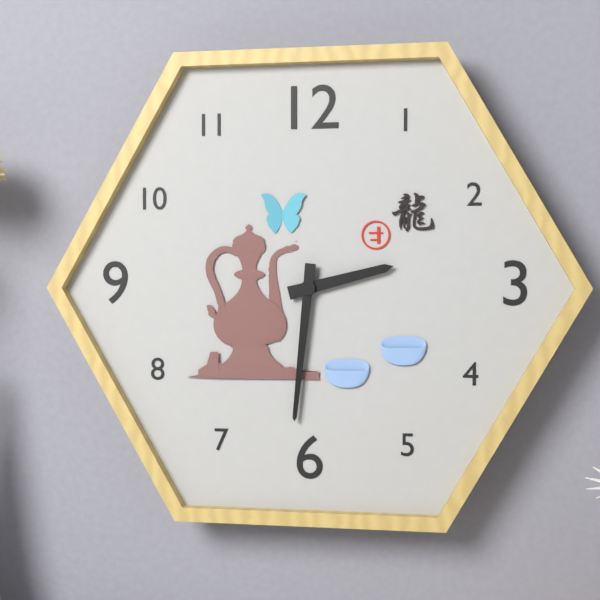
2:31
